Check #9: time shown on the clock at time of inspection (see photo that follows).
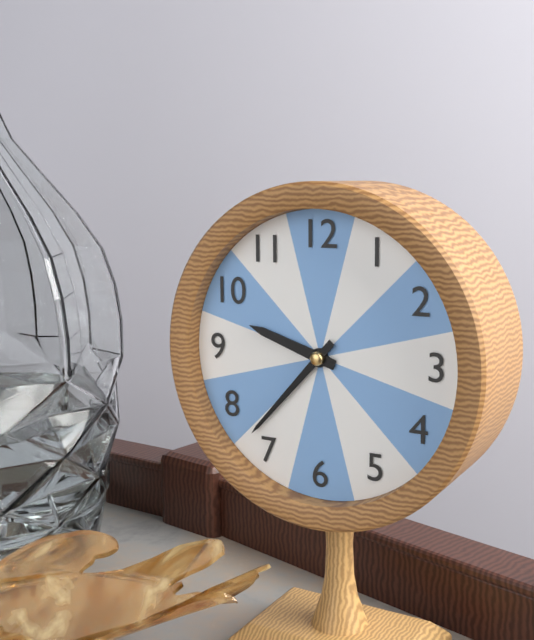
9:37
